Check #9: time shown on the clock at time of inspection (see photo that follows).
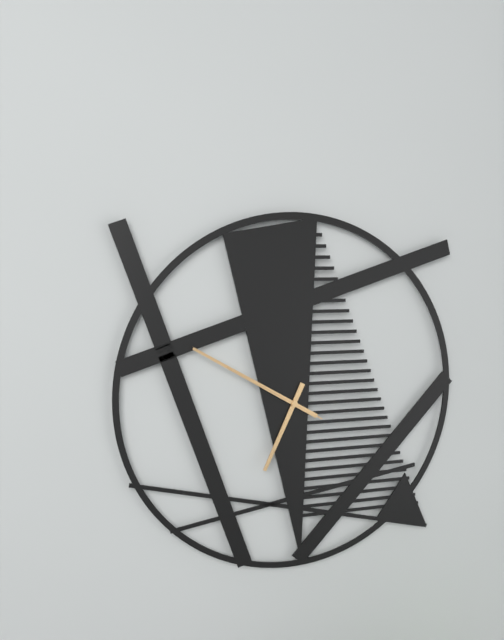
6:50:50
